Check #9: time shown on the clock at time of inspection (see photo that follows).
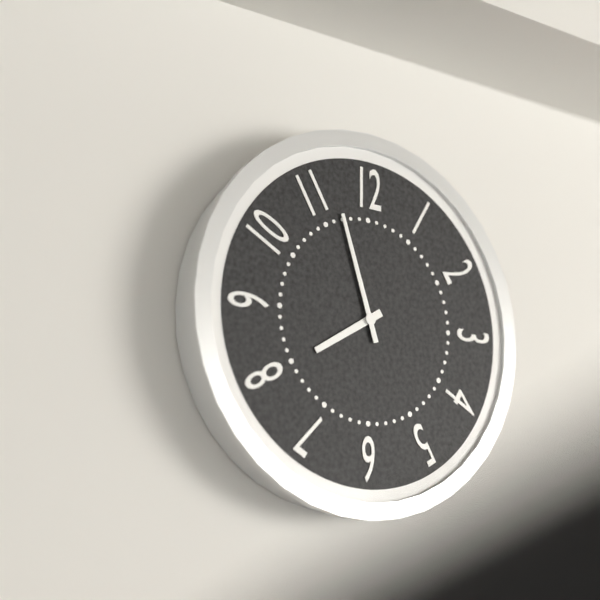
7:57
